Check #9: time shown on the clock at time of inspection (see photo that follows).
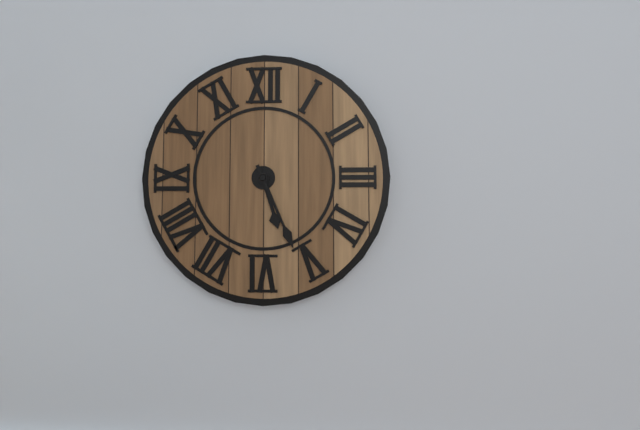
5:26
